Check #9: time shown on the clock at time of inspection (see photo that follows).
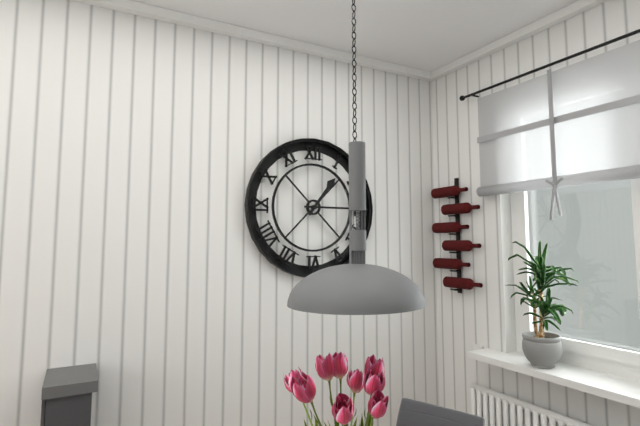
1:15
